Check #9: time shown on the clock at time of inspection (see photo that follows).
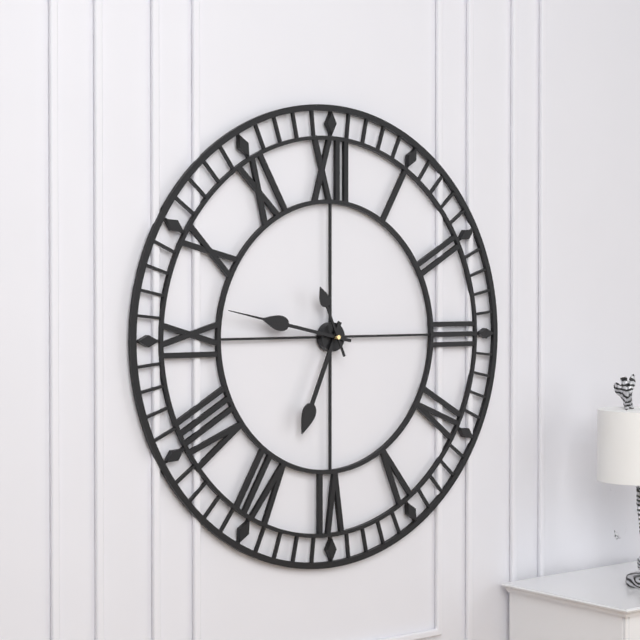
6:47:56
